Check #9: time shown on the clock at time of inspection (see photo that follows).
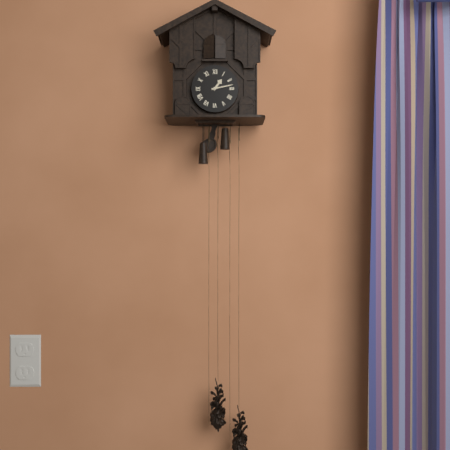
1:13
